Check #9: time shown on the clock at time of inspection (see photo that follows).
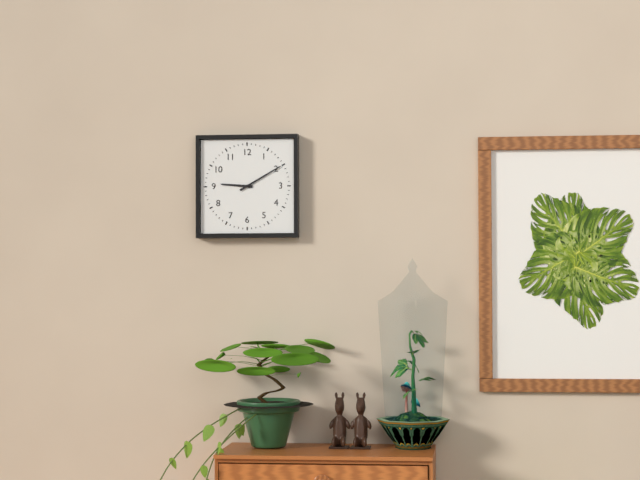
9:10
